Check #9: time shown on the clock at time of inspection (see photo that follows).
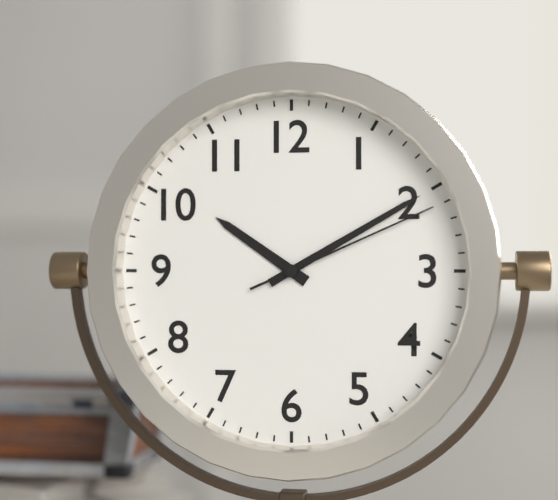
10:10:11
